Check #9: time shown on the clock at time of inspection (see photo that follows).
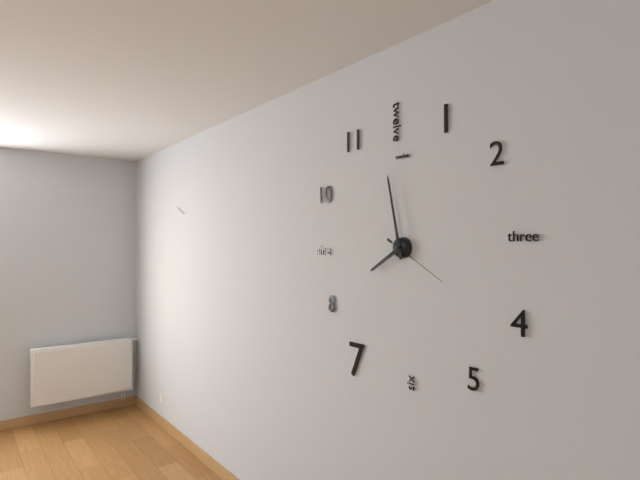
7:58:20
